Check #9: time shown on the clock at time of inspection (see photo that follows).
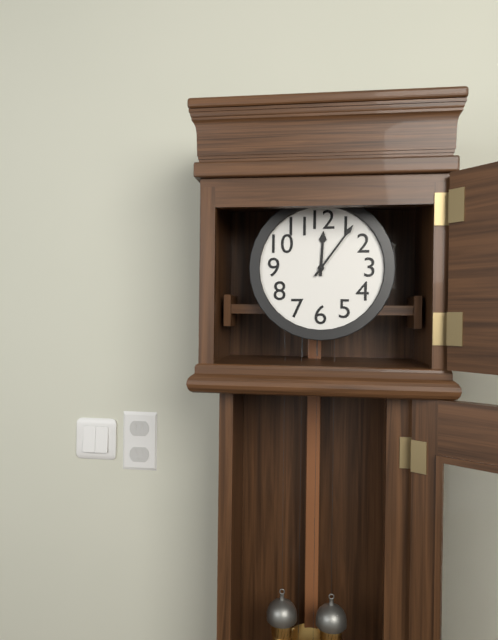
12:06
